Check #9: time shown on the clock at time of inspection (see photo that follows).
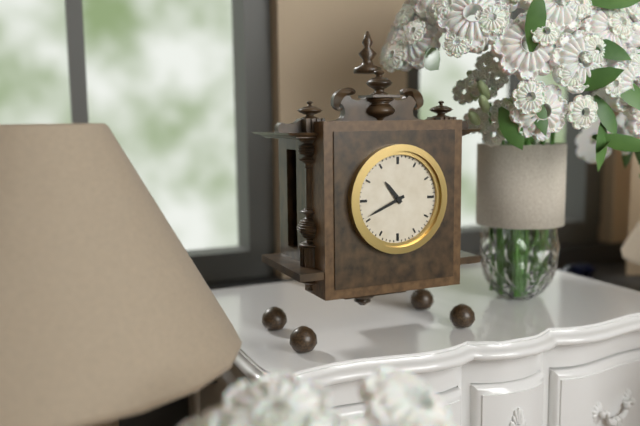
10:41
